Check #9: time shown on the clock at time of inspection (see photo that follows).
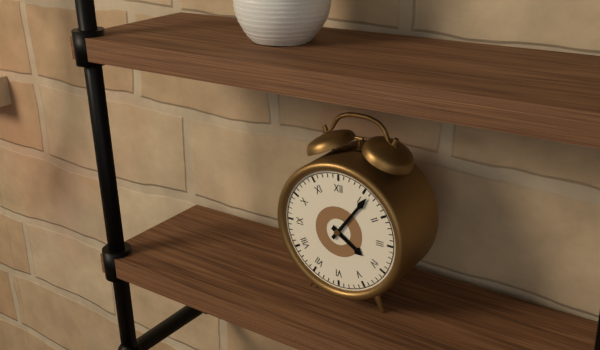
4:06
